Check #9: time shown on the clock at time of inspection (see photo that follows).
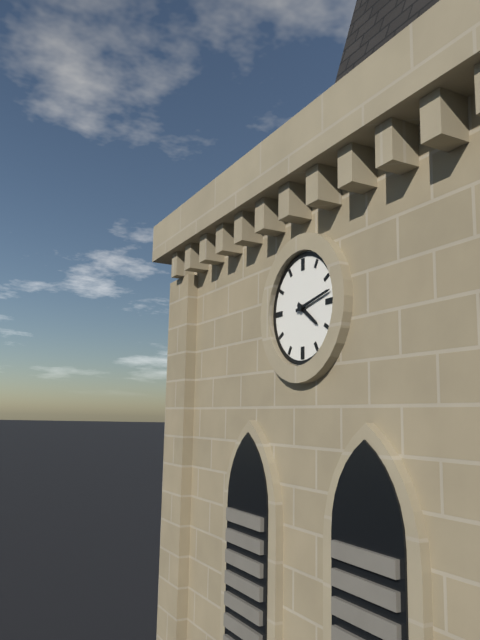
4:13
